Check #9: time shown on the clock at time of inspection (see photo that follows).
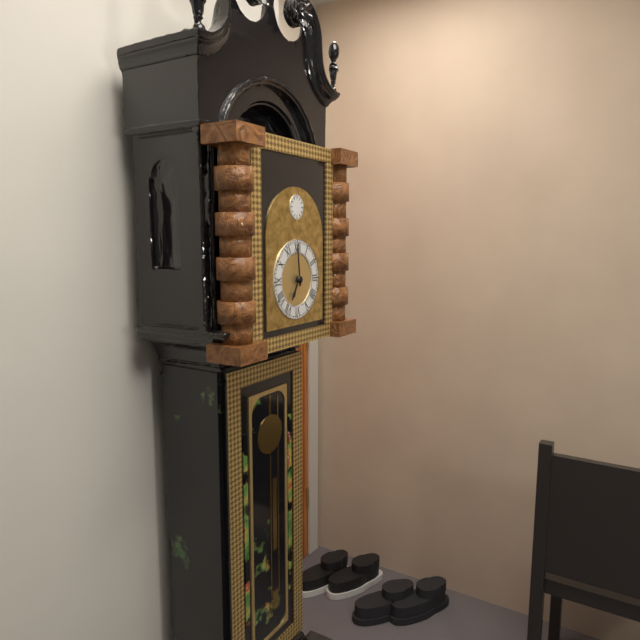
6:59
